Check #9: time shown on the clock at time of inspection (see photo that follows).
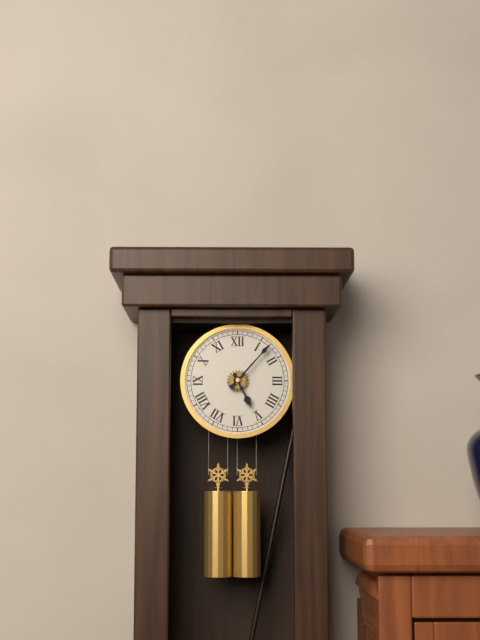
5:07
